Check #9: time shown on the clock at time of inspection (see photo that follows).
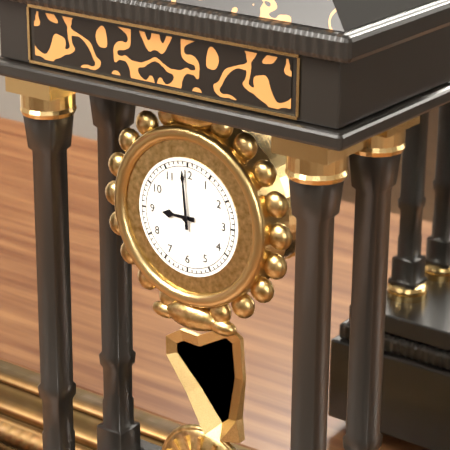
8:59
